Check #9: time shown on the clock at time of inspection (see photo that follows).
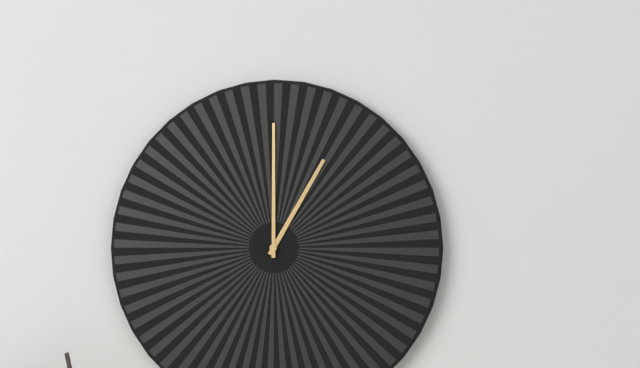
1:00
